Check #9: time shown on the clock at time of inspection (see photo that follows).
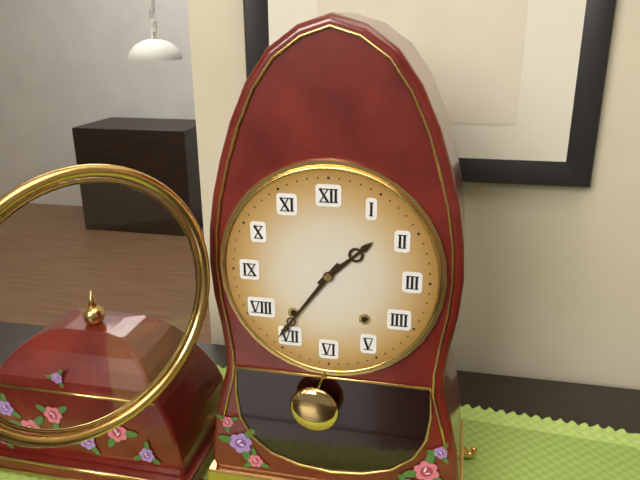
1:36
